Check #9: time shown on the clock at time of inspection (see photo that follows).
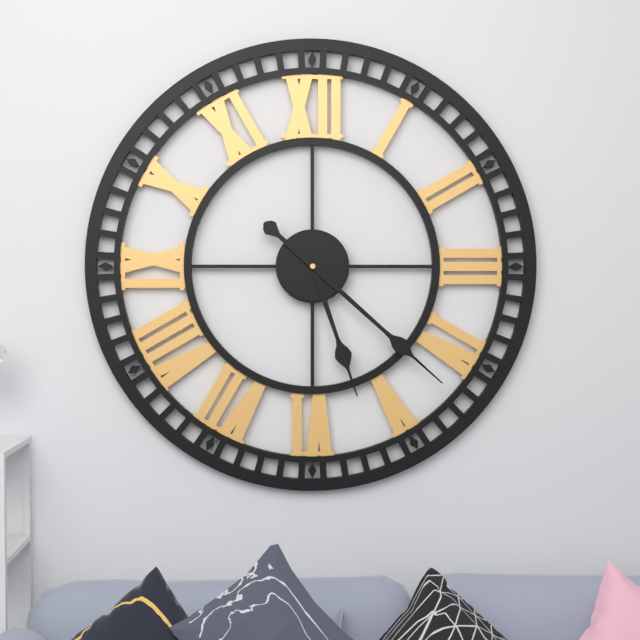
5:22
